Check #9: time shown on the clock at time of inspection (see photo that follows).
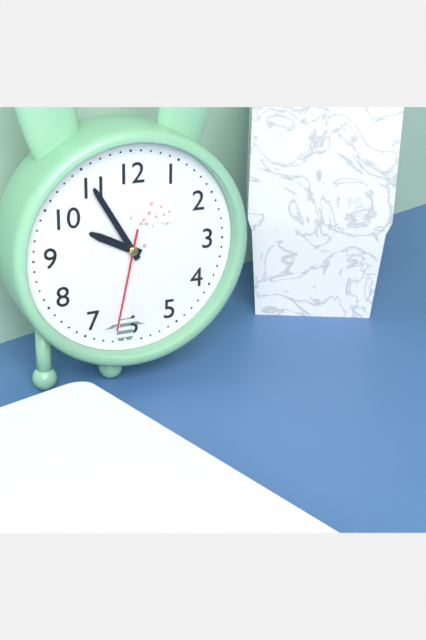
9:55:32
